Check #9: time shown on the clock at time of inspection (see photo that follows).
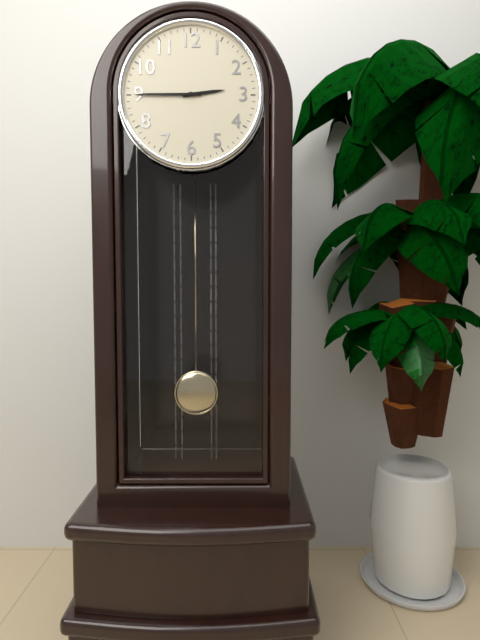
2:45
